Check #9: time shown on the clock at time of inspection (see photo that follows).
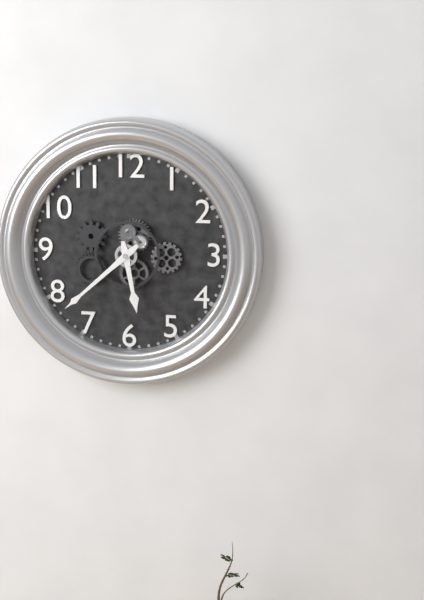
5:38
